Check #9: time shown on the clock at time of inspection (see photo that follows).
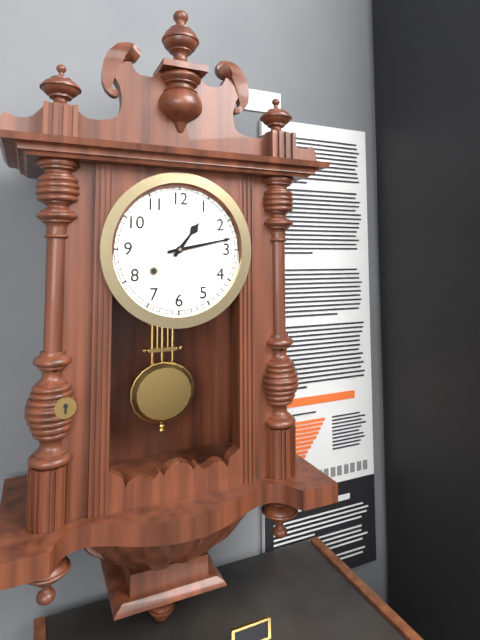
1:13
